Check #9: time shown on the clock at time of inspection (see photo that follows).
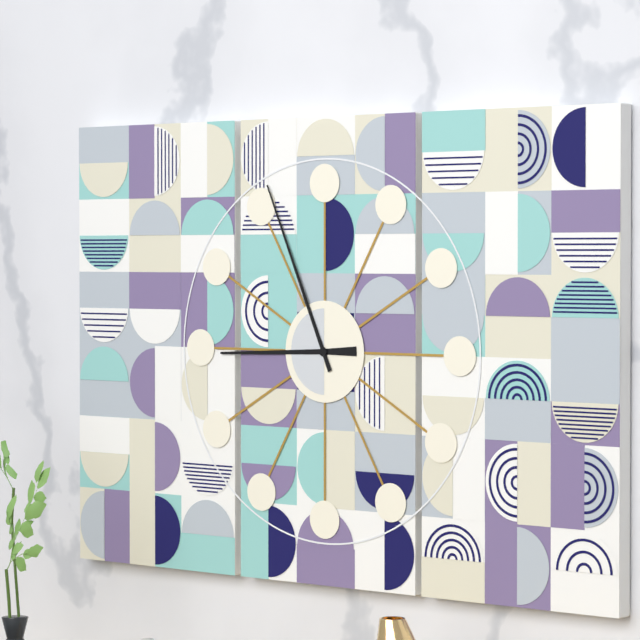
8:56
